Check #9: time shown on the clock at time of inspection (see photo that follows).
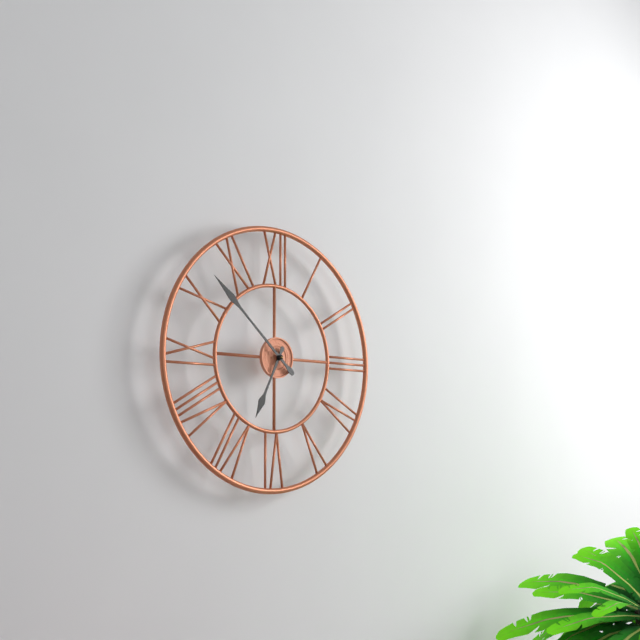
6:52
